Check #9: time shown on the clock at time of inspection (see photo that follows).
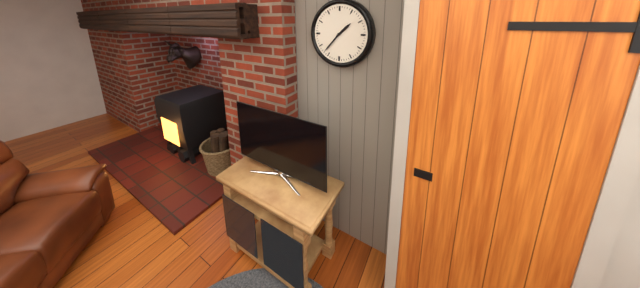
1:37
